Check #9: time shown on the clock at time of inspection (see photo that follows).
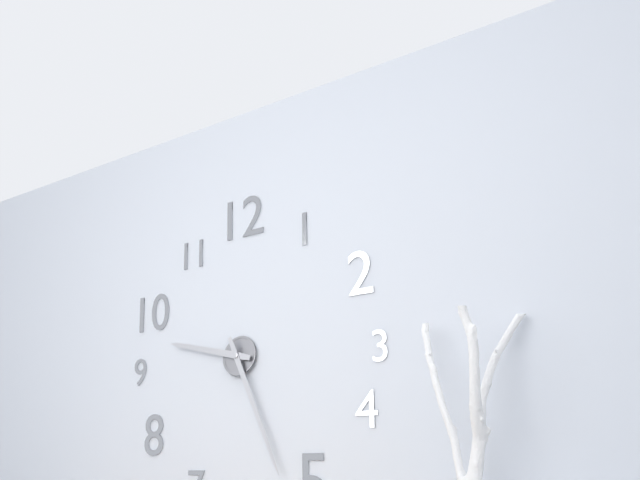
9:26
